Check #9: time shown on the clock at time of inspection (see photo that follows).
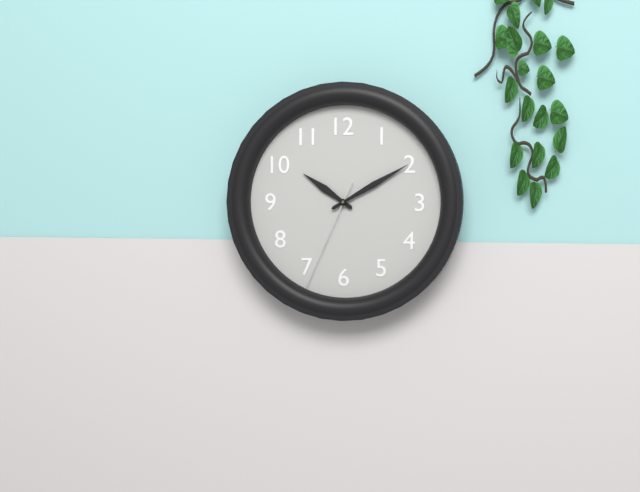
10:10:34
